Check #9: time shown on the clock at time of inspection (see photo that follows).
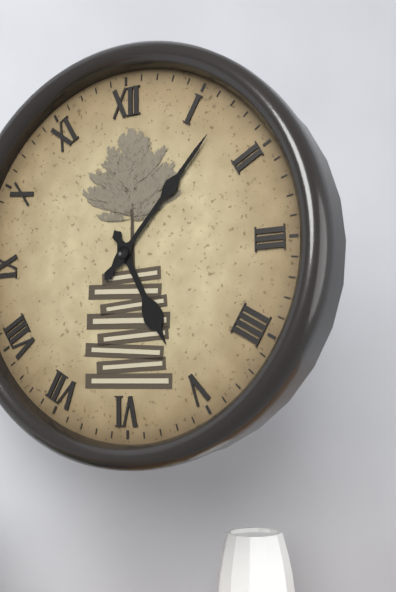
5:07
